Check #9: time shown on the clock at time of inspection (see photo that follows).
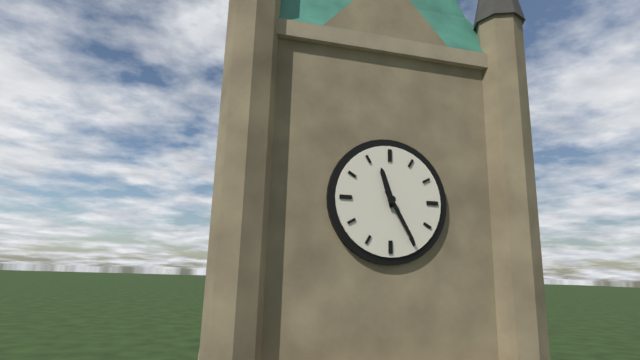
11:25
